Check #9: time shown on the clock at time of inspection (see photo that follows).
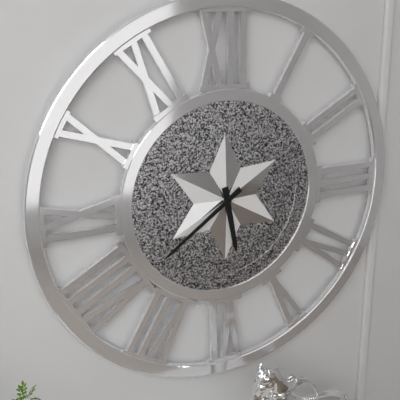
5:39
